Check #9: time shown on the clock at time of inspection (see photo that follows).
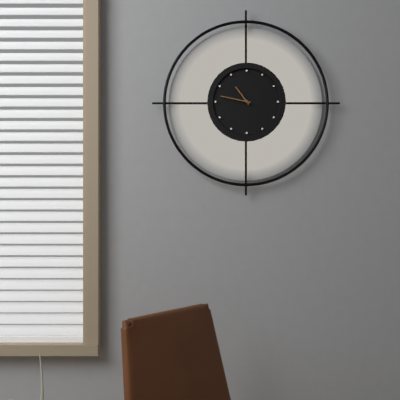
10:47
